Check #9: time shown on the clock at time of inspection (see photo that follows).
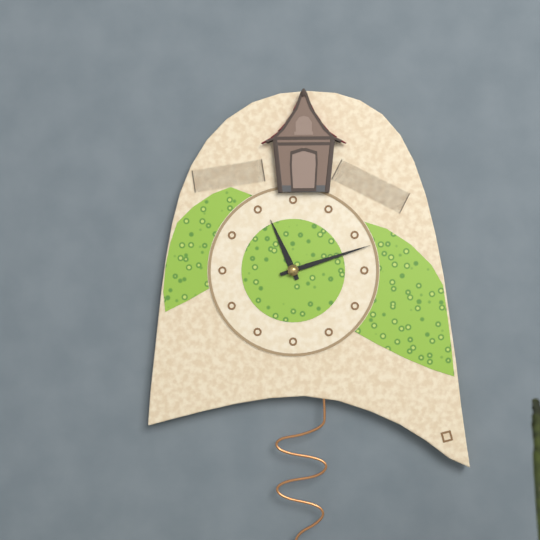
11:12
